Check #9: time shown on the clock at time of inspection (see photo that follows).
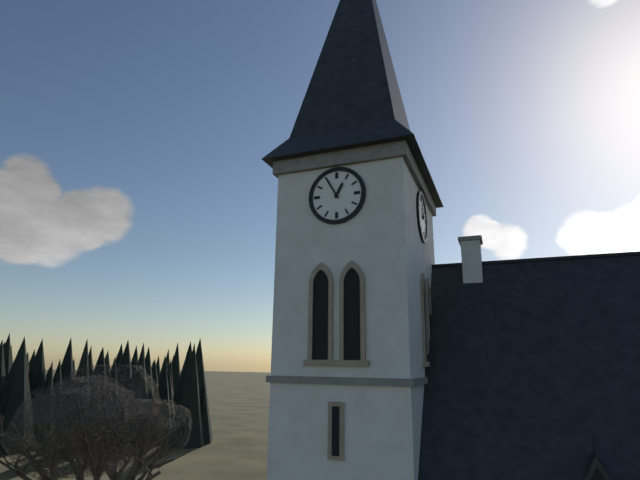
12:55
